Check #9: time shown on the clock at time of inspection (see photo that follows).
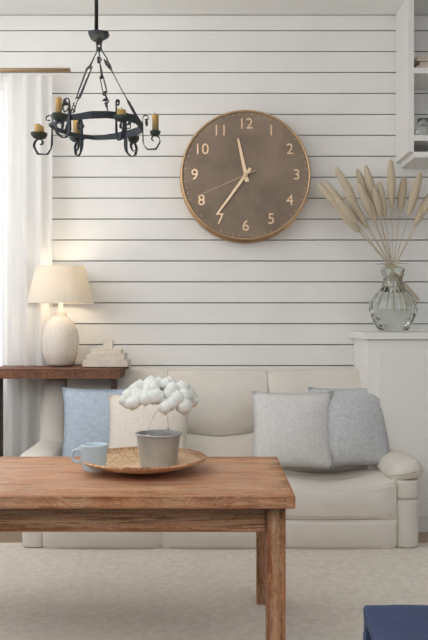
11:36:41
